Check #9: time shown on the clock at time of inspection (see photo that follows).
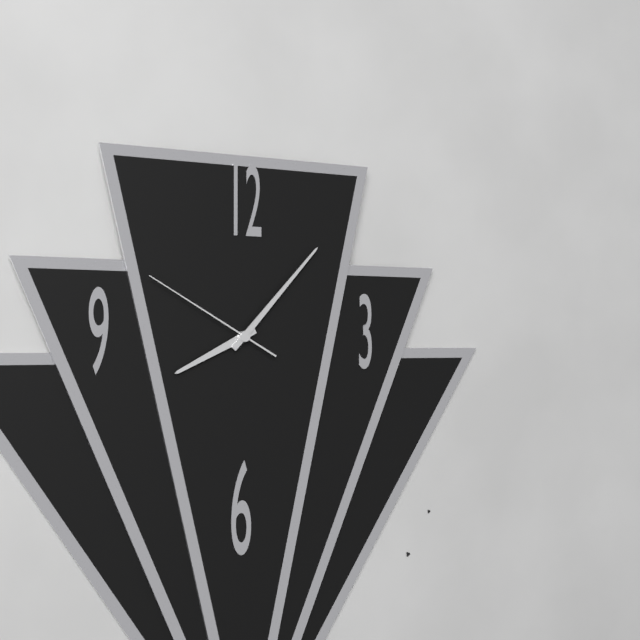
8:07:50
